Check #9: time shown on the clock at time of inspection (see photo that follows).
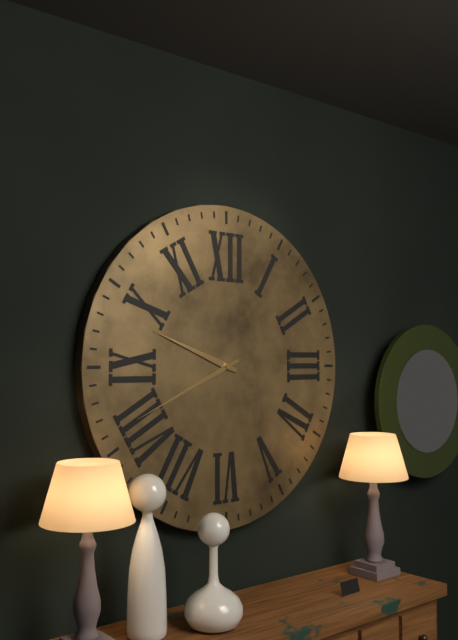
9:41
